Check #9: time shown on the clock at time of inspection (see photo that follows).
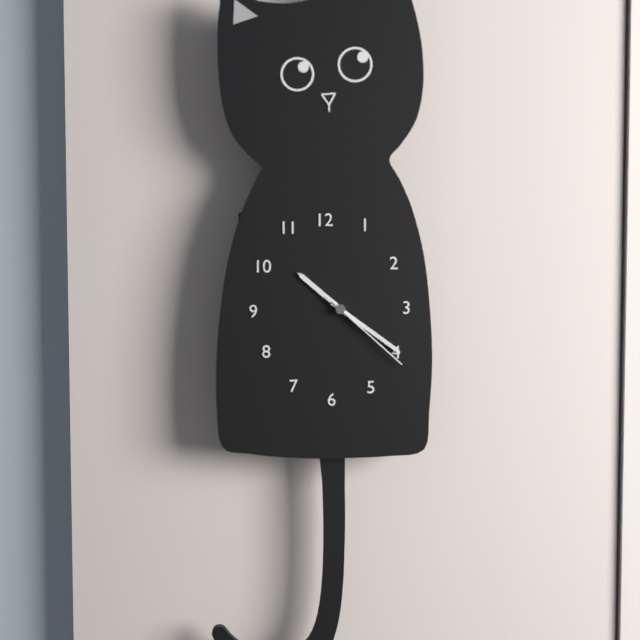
10:21:22
